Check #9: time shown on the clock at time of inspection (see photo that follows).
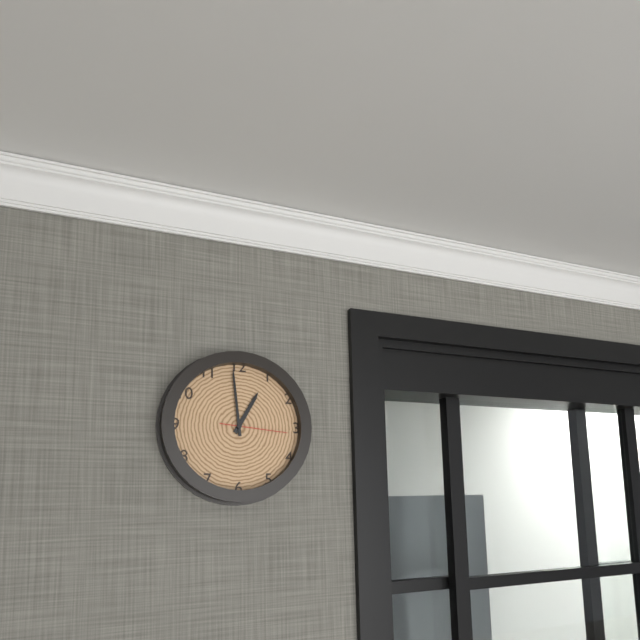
12:59:16
